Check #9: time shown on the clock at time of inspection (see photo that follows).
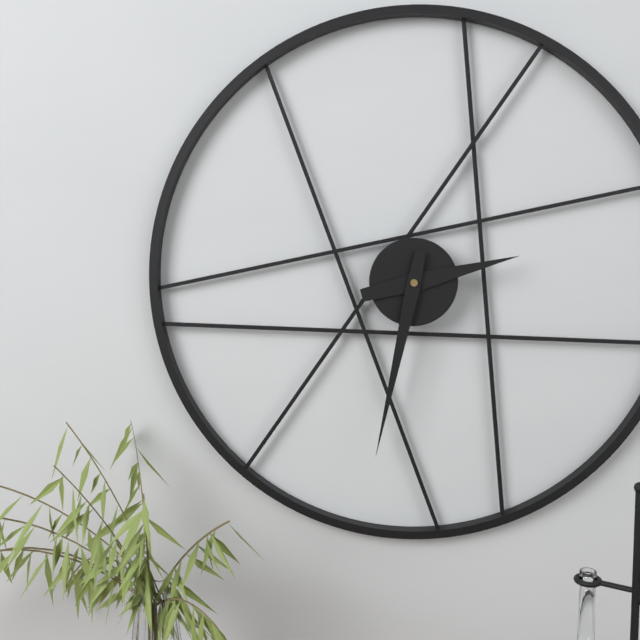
2:32
